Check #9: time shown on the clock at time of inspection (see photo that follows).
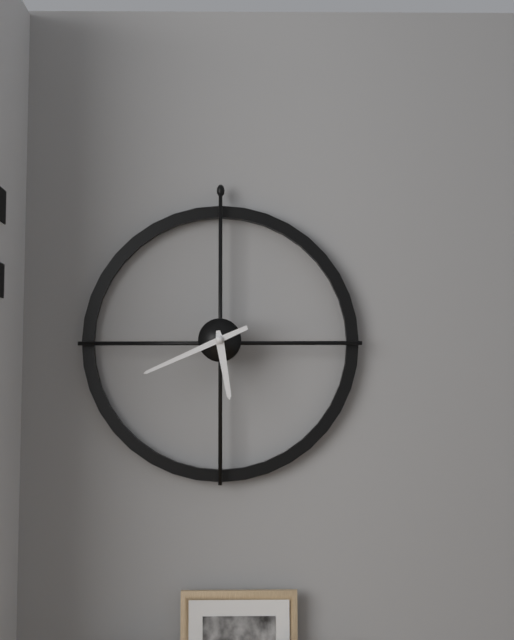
5:41
